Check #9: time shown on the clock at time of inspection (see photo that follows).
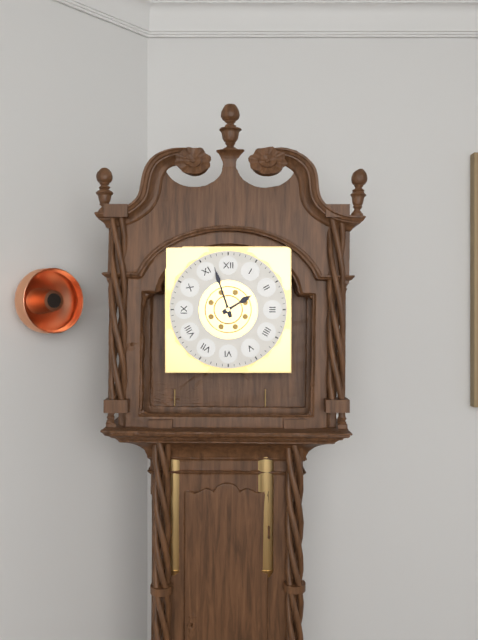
1:57
